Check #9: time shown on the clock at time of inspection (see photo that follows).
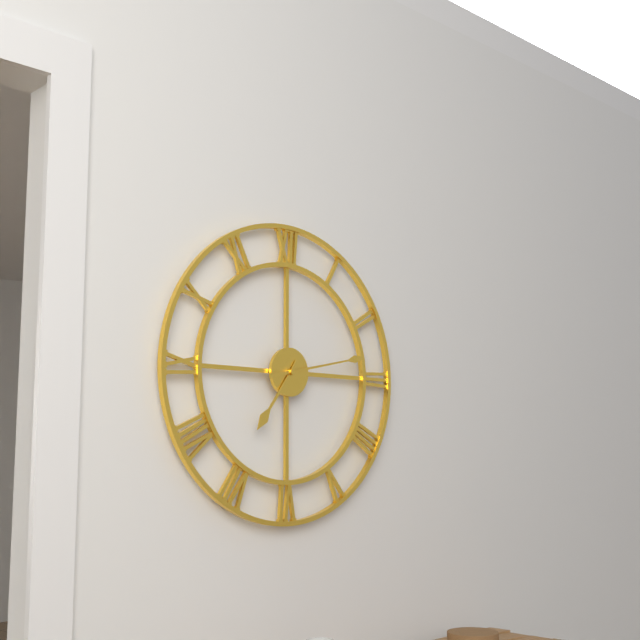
7:13
